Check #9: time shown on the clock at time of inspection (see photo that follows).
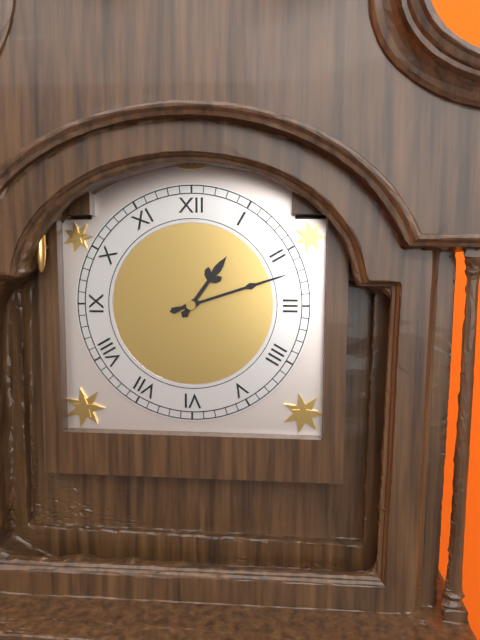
1:12
